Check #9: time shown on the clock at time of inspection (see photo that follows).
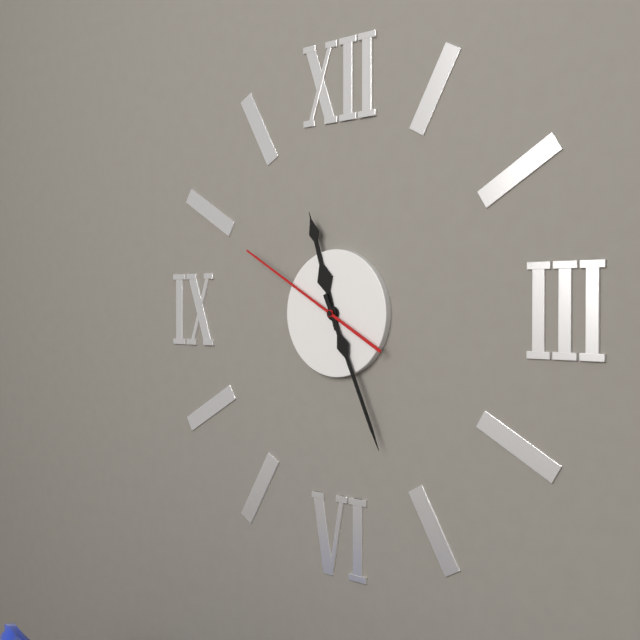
11:26:50
